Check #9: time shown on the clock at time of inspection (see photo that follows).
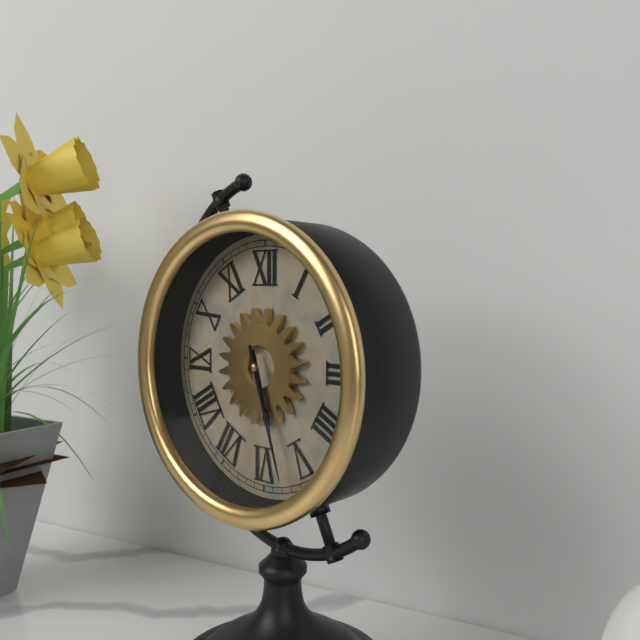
5:27
